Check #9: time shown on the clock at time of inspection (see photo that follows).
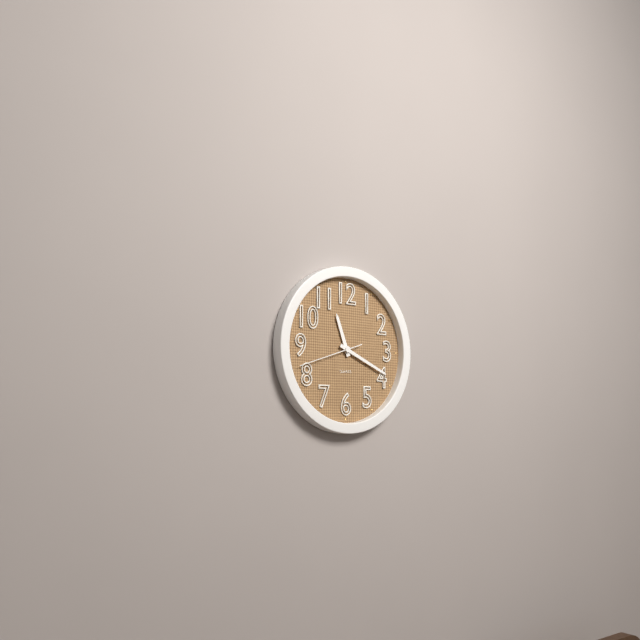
11:19:42
